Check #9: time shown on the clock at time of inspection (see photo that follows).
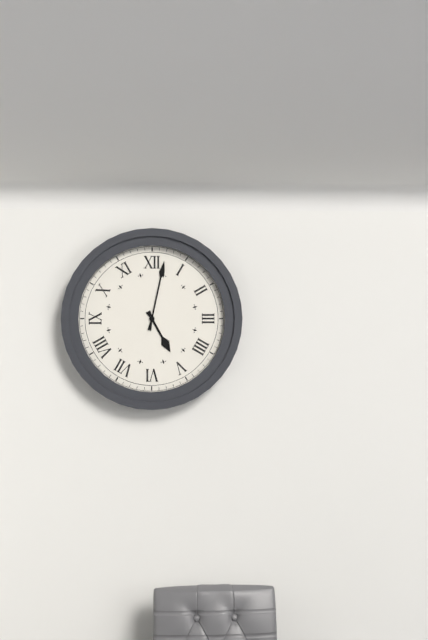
5:02
